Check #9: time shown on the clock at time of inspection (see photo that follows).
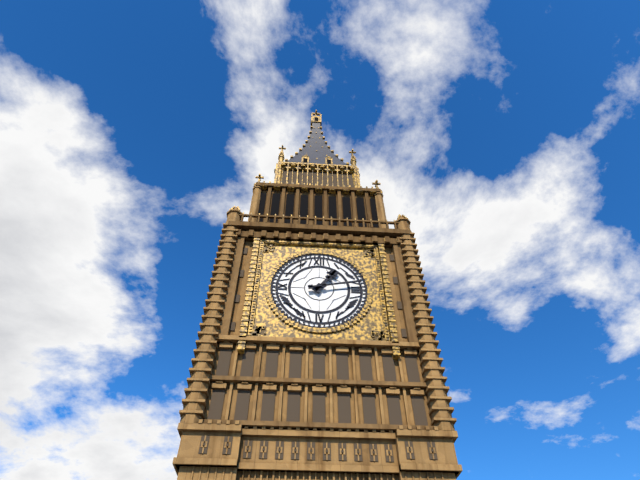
1:13
